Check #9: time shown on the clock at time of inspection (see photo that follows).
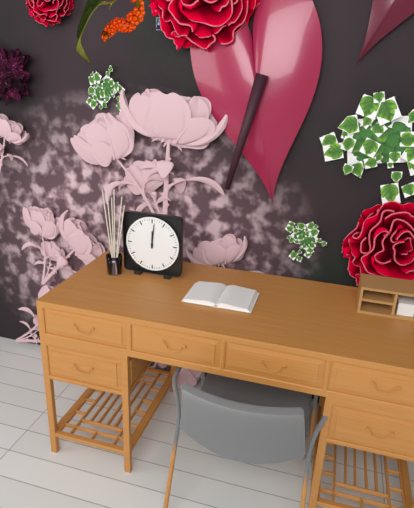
12:01
